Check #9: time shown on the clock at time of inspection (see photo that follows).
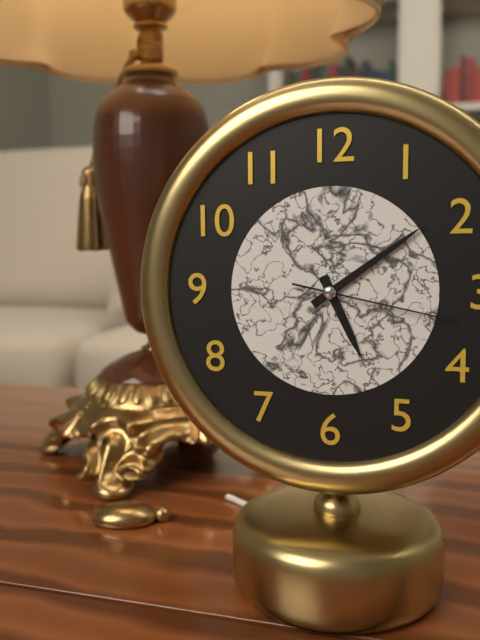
5:09:17
